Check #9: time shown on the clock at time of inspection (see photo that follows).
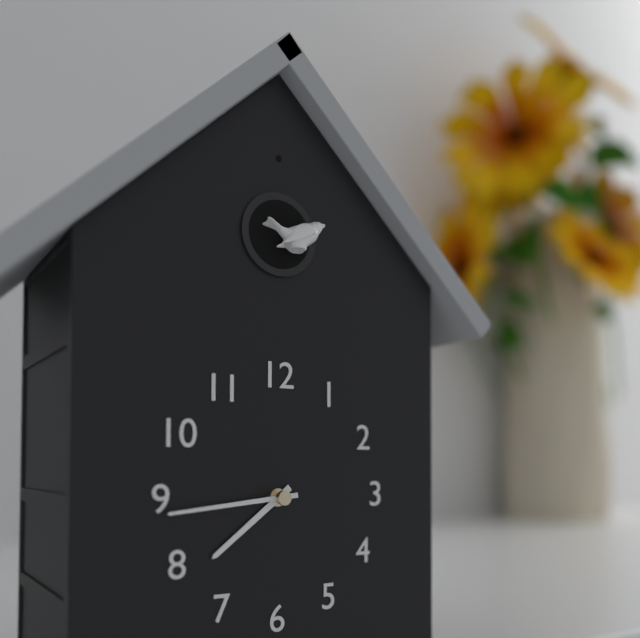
7:44
